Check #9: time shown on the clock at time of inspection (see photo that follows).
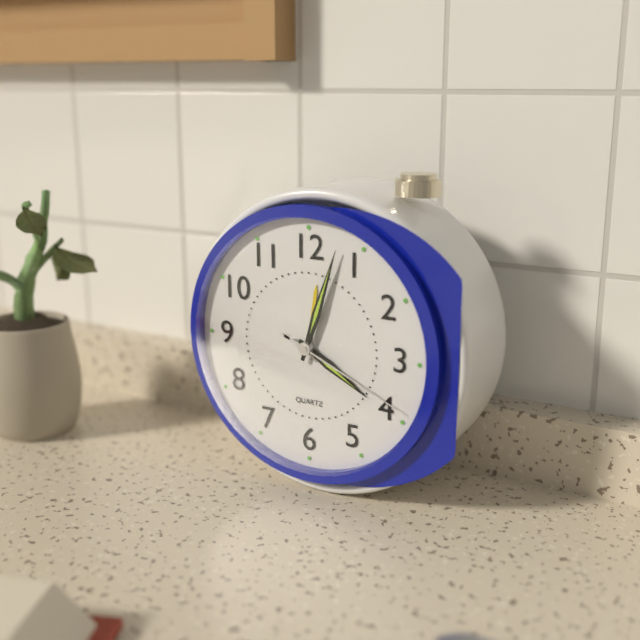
4:03:19
